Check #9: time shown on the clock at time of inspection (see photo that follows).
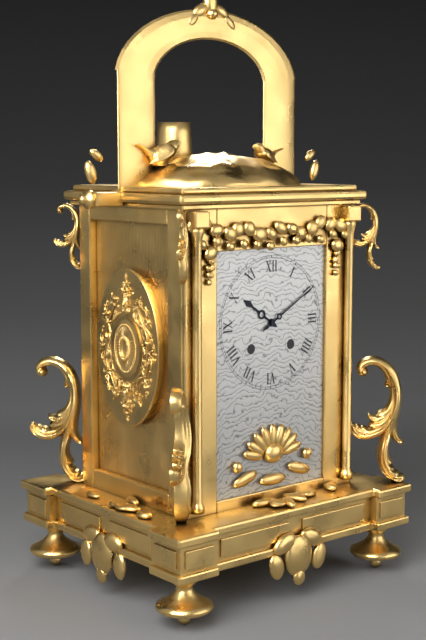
10:10
